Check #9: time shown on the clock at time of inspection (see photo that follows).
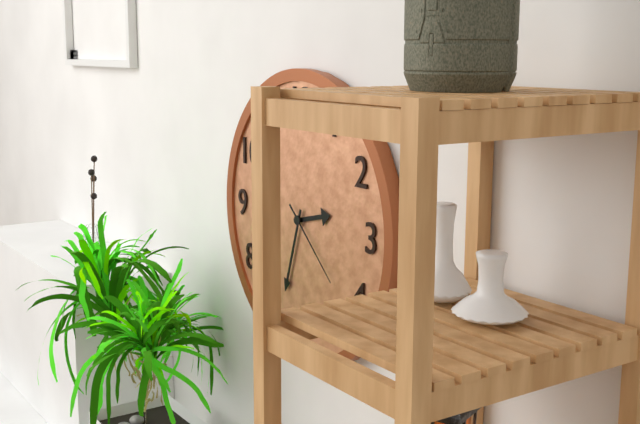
2:33:22
